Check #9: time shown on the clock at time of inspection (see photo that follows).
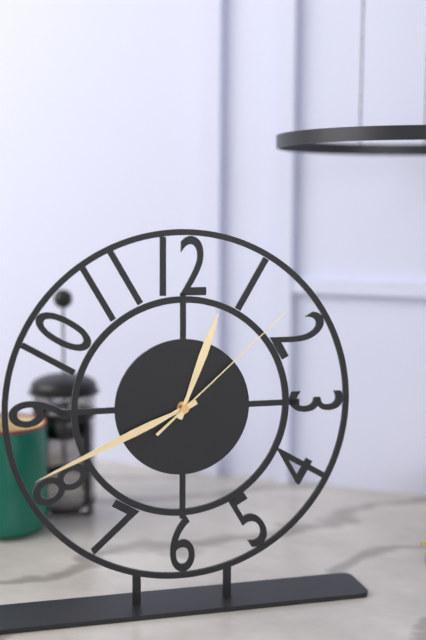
12:41:08
